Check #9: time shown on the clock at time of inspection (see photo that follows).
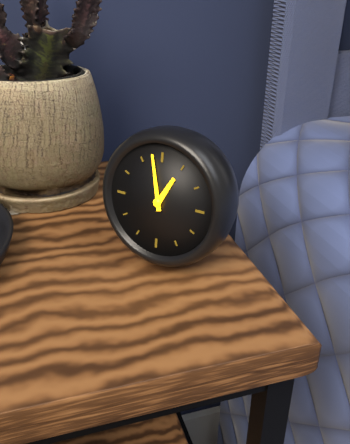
12:58
